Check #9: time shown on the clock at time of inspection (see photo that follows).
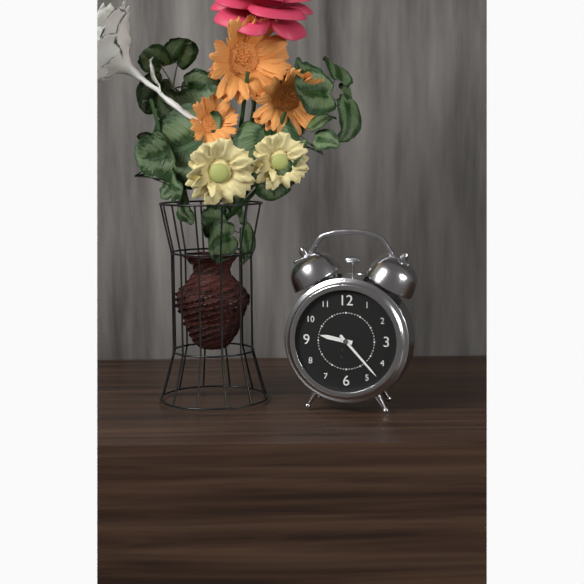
9:23
